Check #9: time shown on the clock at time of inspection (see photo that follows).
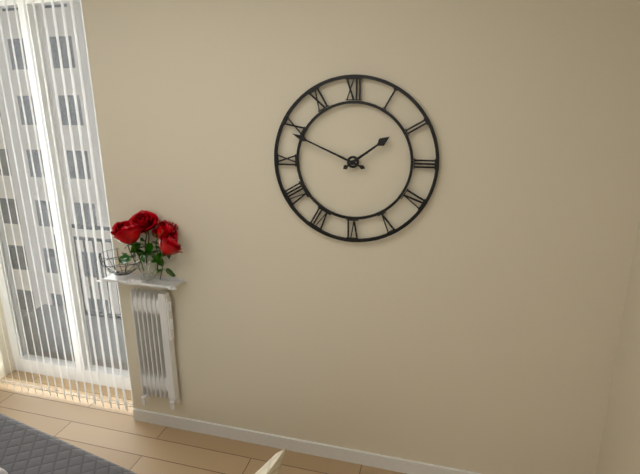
1:49
